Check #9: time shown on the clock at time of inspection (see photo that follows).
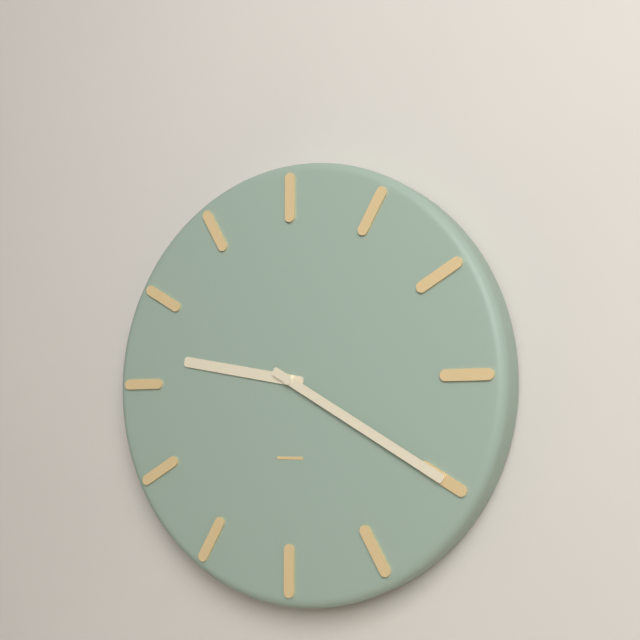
9:20
